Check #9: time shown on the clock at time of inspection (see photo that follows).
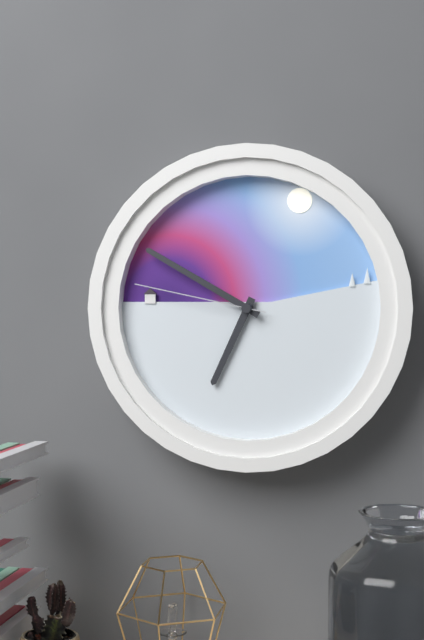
6:50:47
